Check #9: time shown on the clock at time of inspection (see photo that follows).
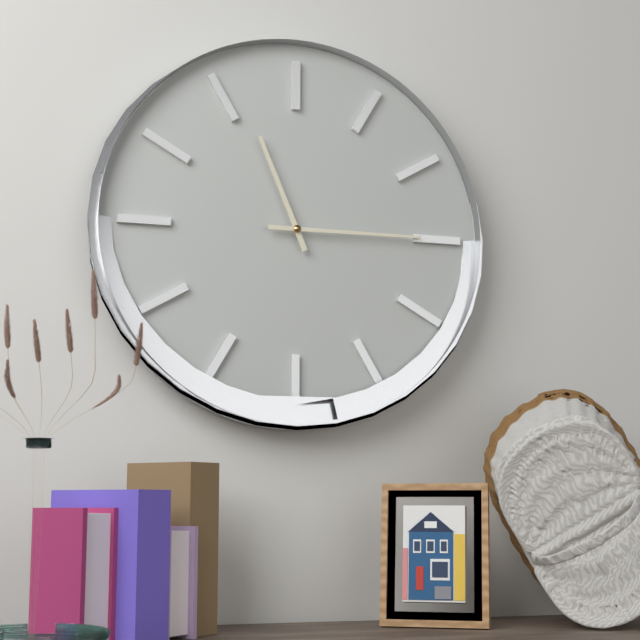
11:15
